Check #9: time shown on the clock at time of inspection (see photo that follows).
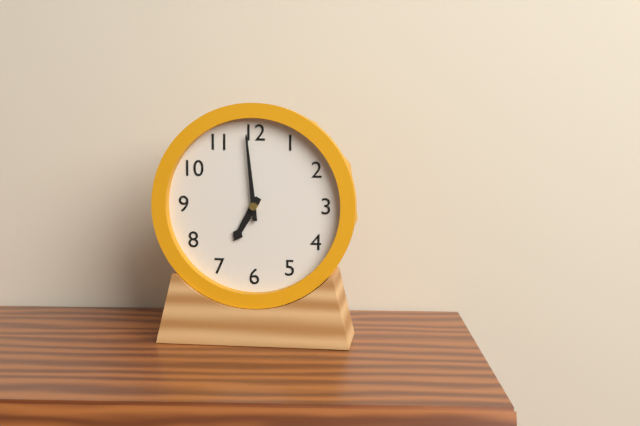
6:59
